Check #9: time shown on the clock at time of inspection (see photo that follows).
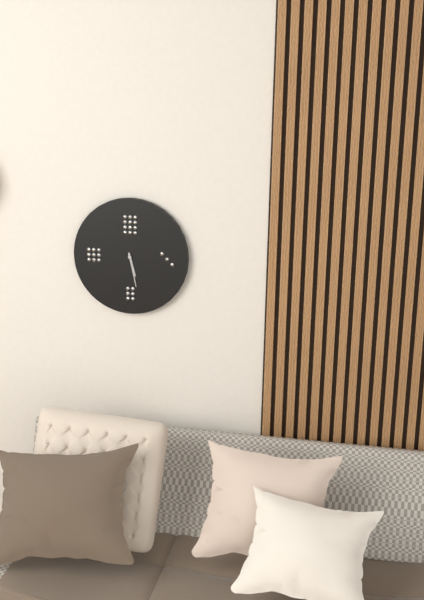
5:28
